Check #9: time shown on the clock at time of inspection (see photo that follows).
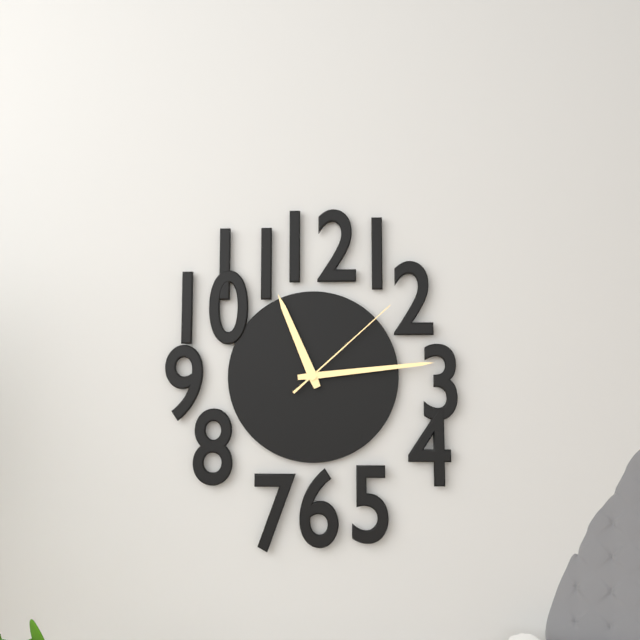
11:14:08
